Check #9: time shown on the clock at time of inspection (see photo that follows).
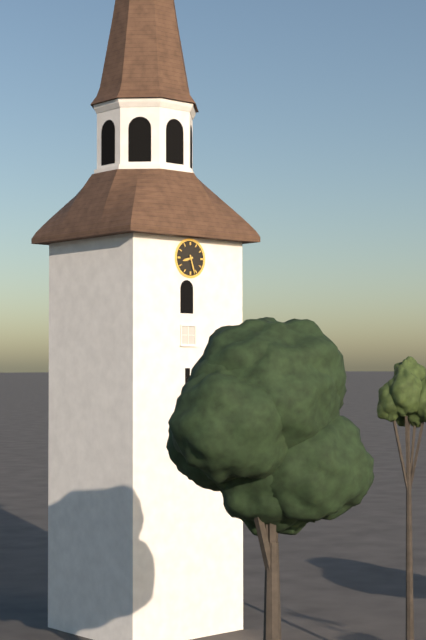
8:27
